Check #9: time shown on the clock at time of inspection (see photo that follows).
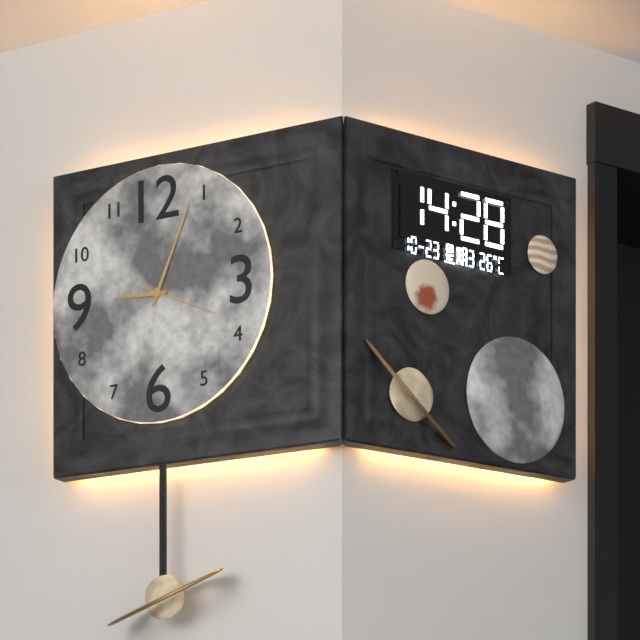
9:04:19
